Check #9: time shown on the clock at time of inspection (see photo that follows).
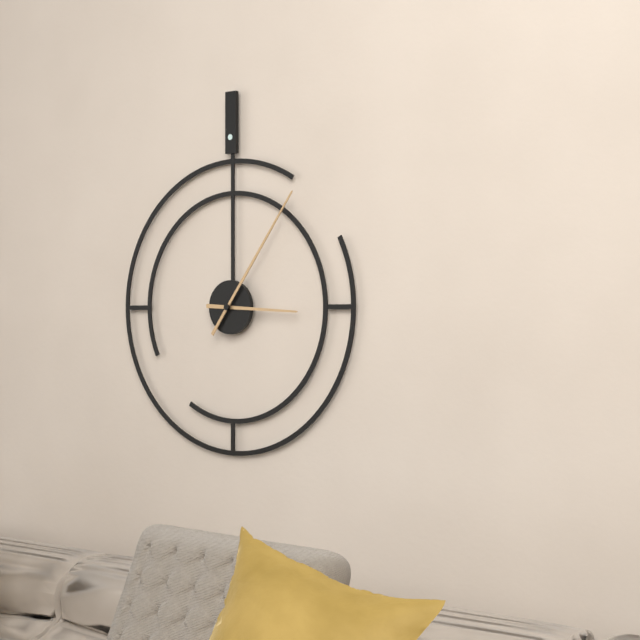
3:06
